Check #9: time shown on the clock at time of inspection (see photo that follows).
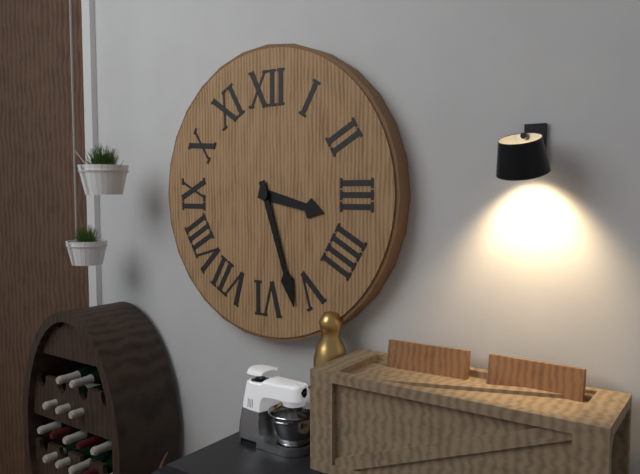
3:27
